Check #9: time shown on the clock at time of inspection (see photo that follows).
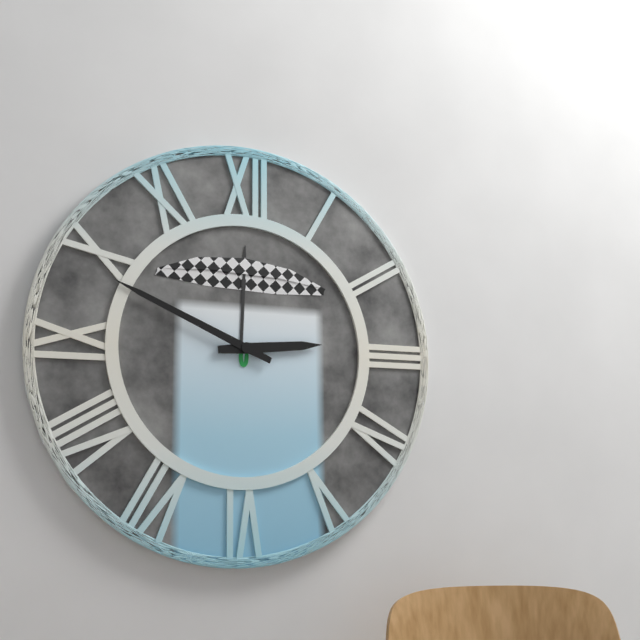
2:49
